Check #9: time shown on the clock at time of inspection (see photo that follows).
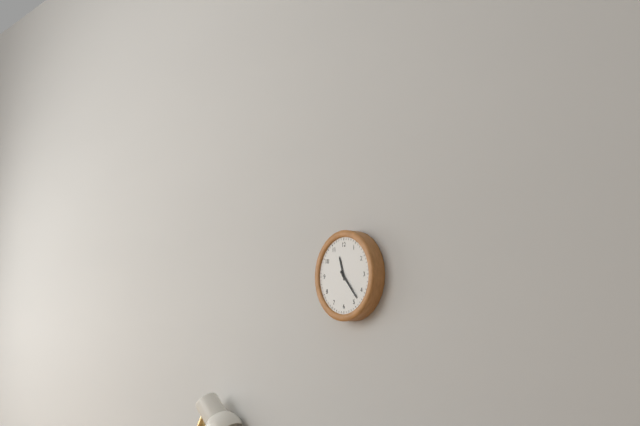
11:23
